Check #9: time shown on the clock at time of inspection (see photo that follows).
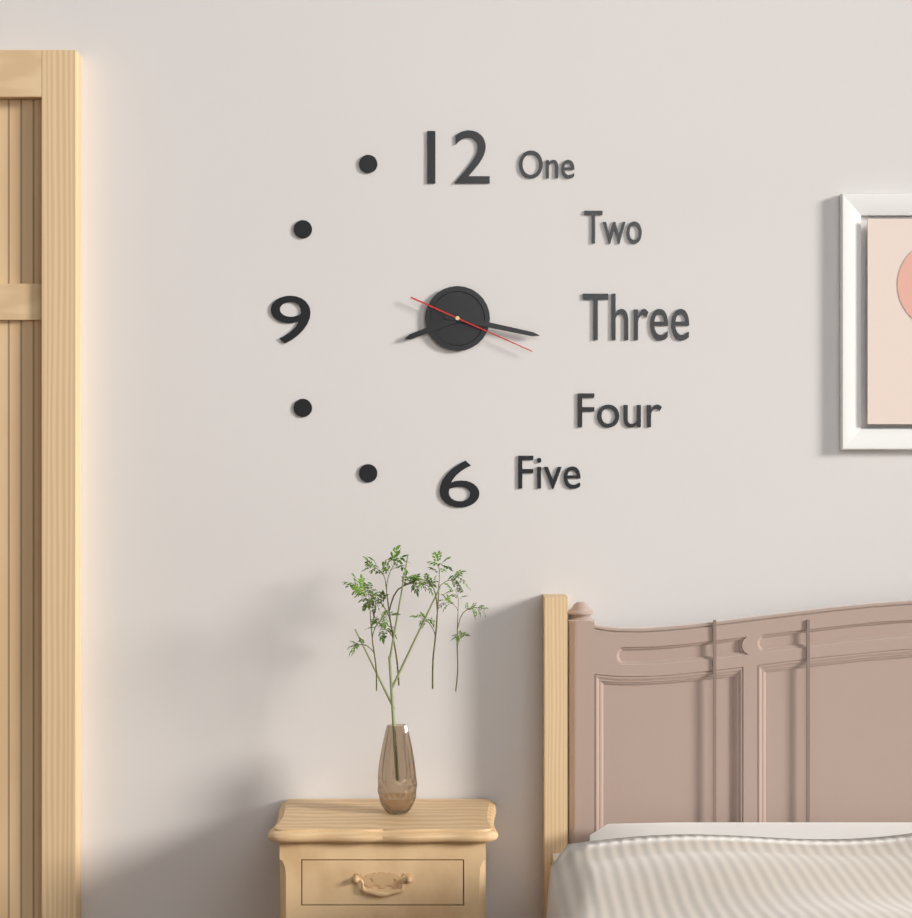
8:17:19
